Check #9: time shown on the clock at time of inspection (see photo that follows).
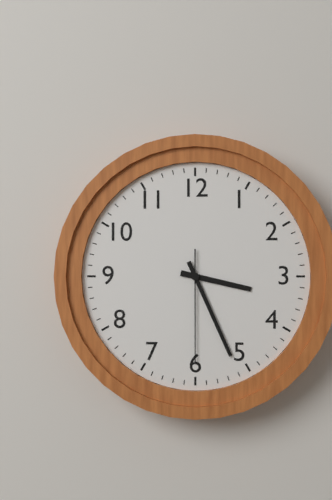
3:26:30
